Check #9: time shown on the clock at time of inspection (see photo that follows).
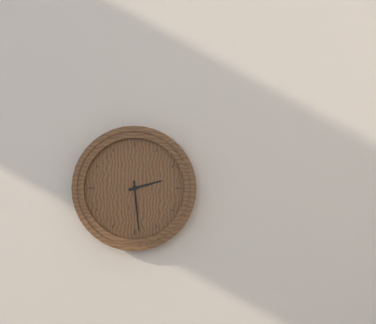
2:29
